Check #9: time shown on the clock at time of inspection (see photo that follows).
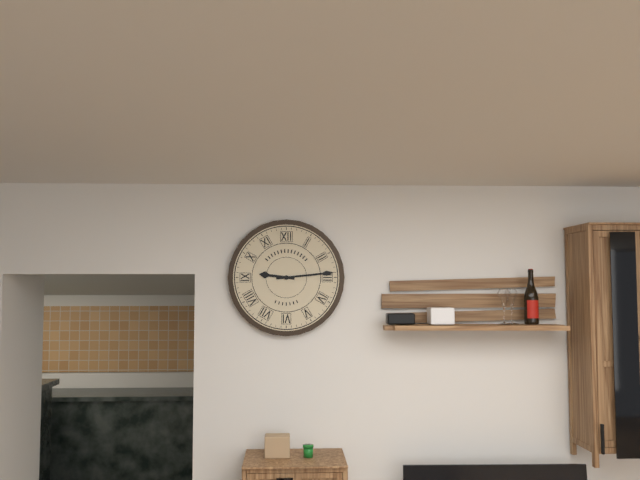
9:14
